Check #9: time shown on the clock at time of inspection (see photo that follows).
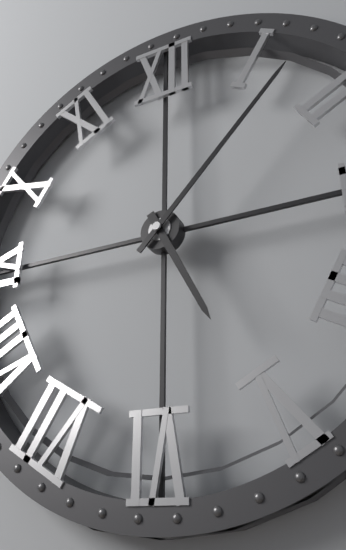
5:07
